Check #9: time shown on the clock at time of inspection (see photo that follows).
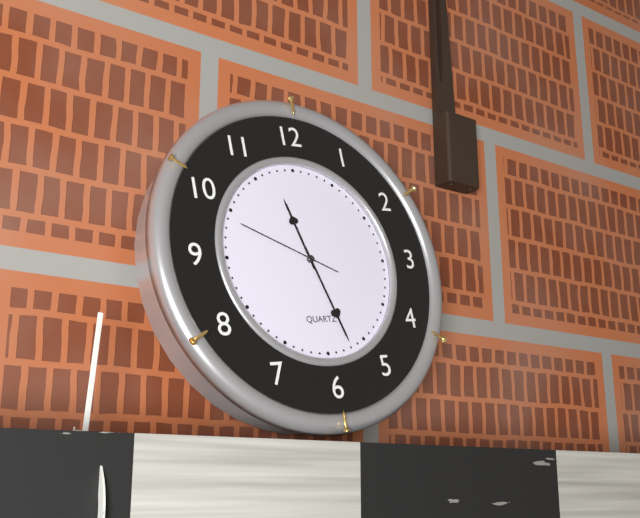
11:27:49
